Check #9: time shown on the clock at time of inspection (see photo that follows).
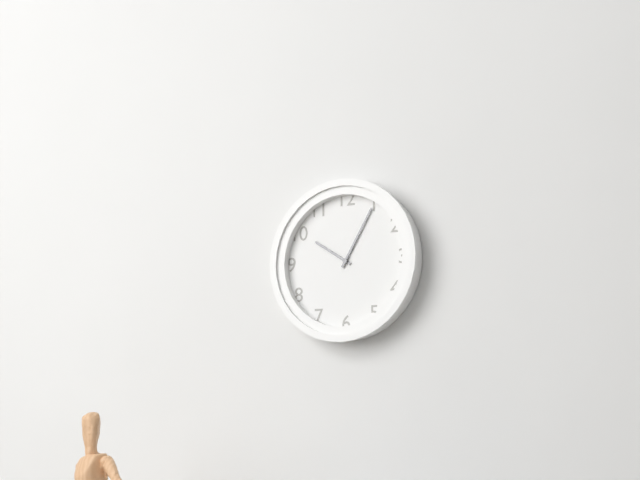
10:05
